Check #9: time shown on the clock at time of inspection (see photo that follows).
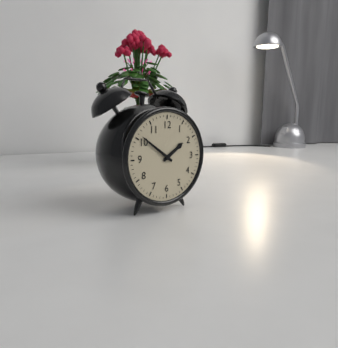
1:51
